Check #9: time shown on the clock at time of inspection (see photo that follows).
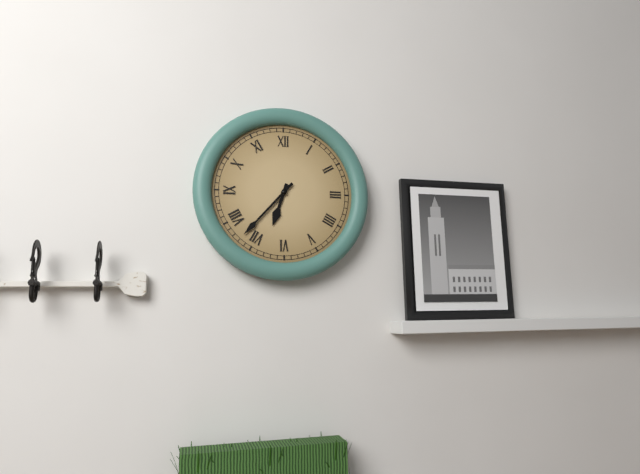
6:37
